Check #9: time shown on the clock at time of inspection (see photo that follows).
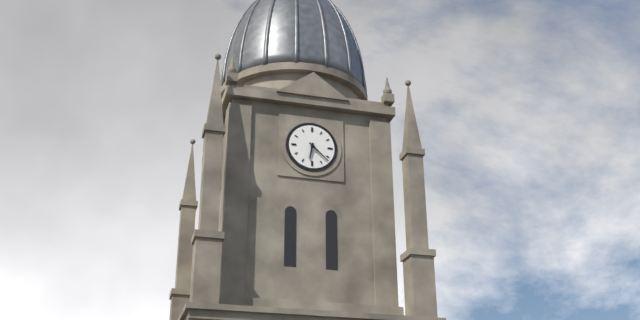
6:22
